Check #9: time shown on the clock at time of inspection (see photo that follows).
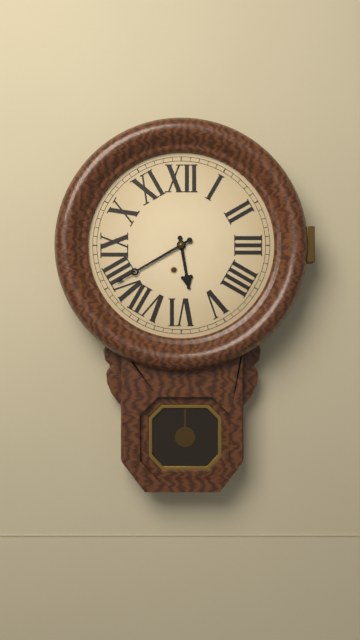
5:40
